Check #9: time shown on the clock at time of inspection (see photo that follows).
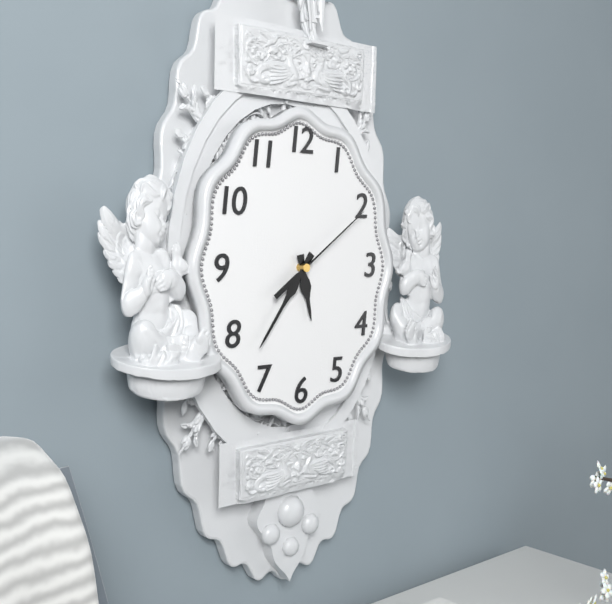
5:36:09
